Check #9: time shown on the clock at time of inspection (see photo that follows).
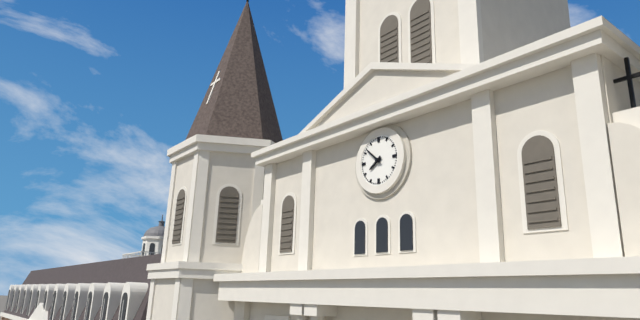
7:52
